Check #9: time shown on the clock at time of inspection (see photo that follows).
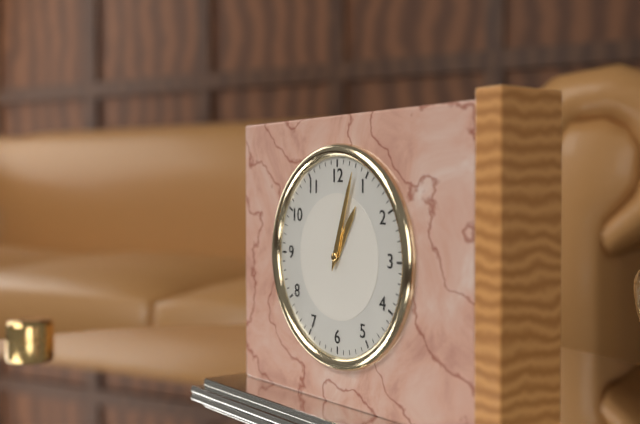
1:03
